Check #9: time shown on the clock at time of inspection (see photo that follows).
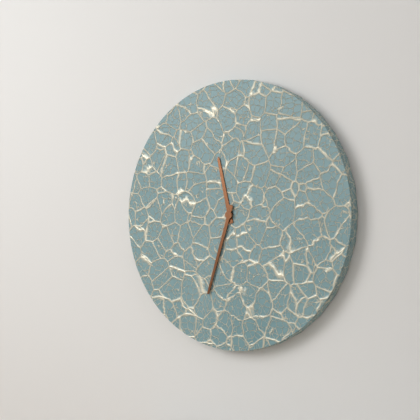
11:33
